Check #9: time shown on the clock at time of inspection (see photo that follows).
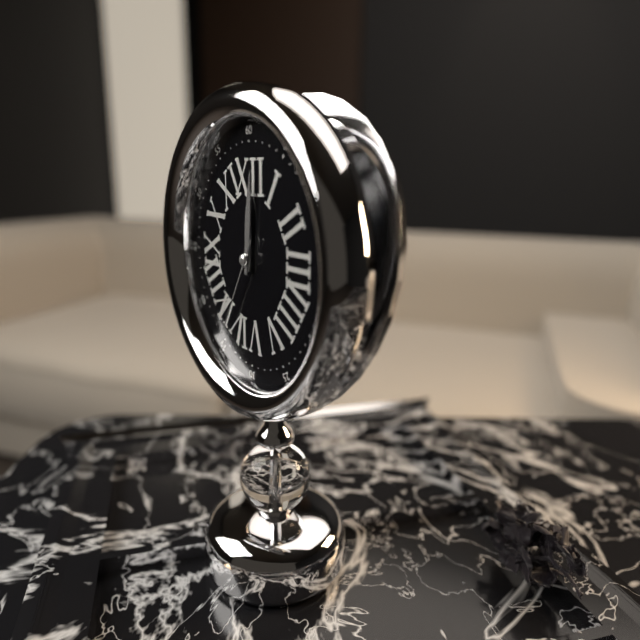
12:01:35
